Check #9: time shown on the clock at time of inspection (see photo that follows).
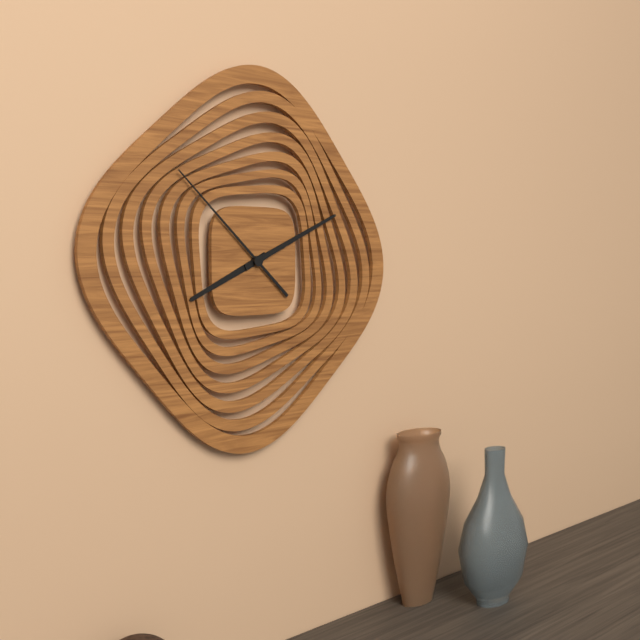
8:11:52
